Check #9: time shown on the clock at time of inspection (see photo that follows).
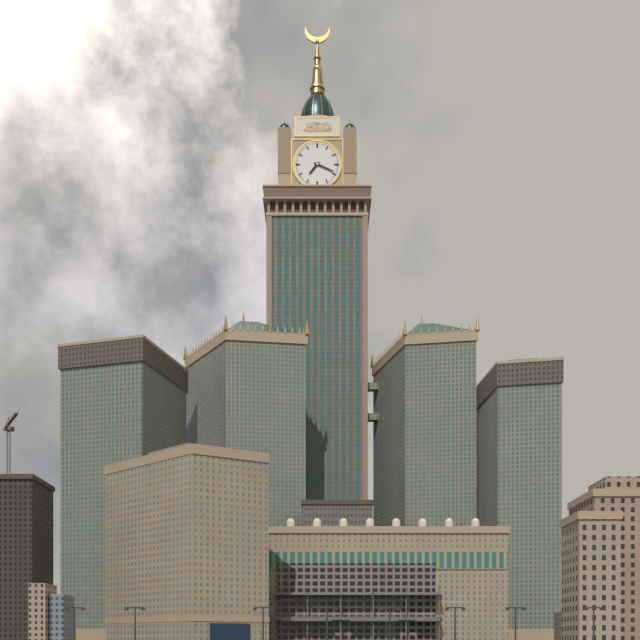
7:19
